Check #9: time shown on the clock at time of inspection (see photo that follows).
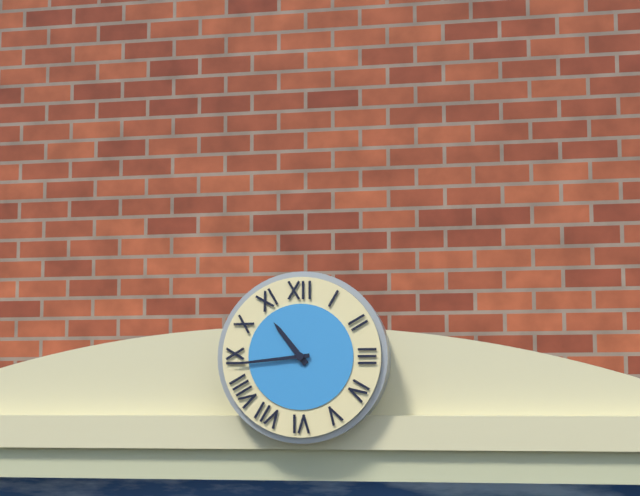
10:44
